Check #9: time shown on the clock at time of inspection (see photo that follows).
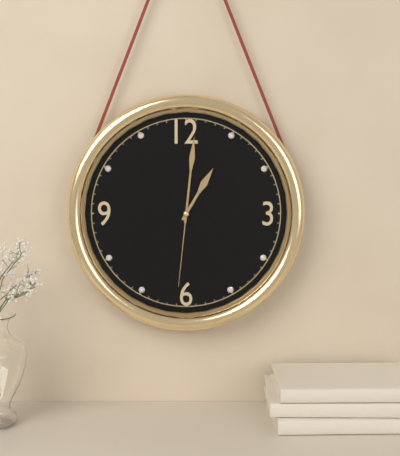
1:01:31
